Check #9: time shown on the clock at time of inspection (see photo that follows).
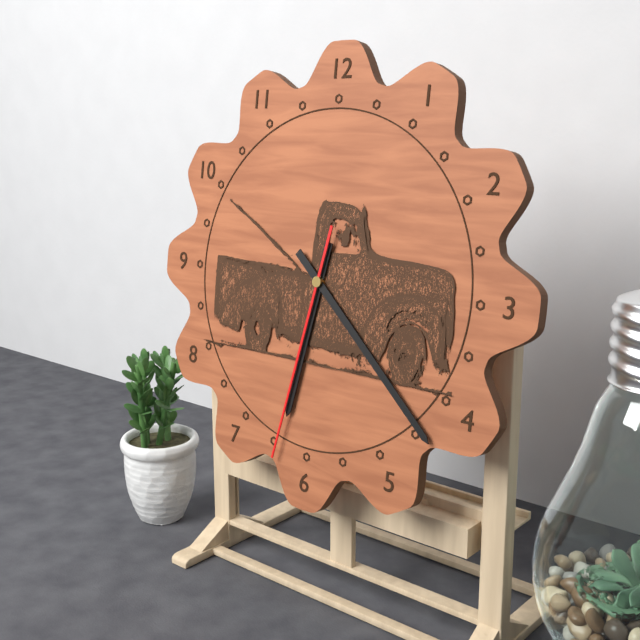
6:22:32
